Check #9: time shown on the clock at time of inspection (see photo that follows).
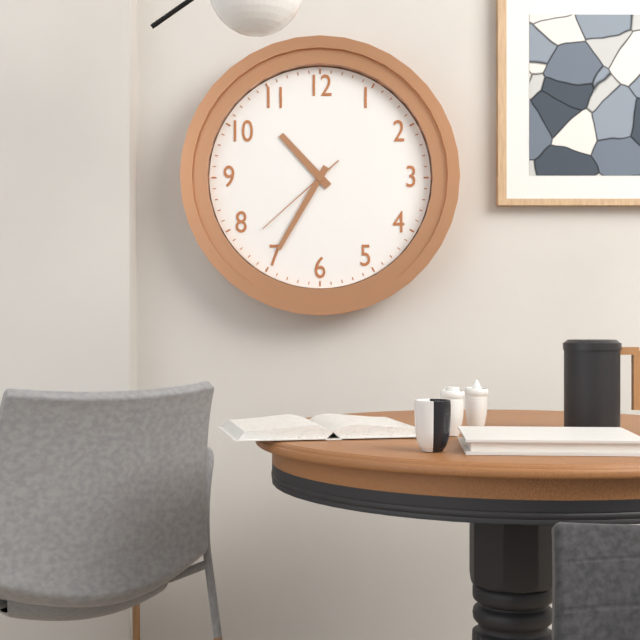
10:35:38
